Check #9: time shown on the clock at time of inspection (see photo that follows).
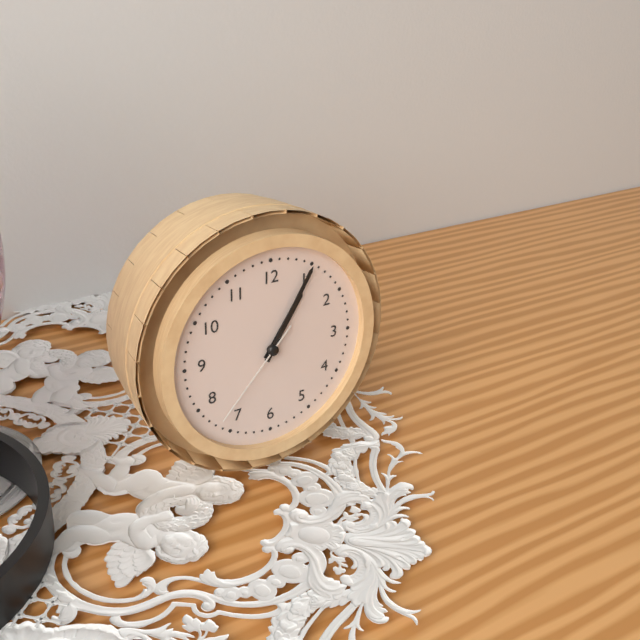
1:05:37
